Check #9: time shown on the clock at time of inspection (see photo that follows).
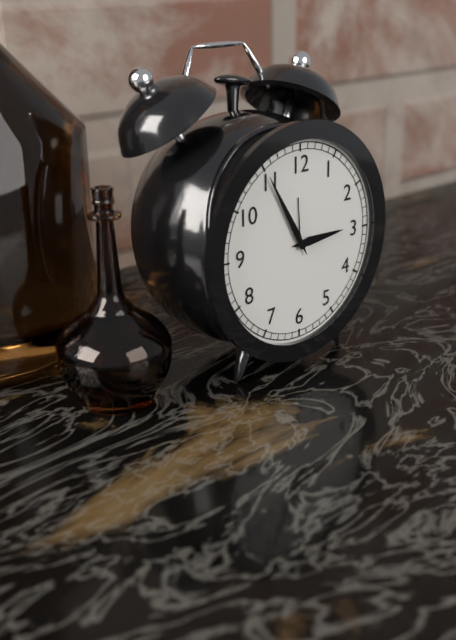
2:55
